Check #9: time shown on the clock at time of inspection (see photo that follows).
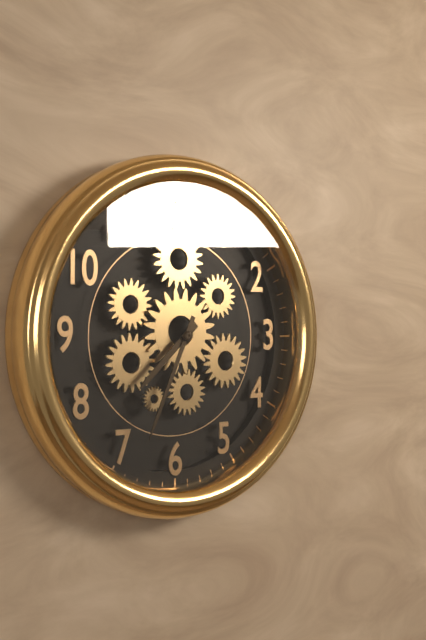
7:34
